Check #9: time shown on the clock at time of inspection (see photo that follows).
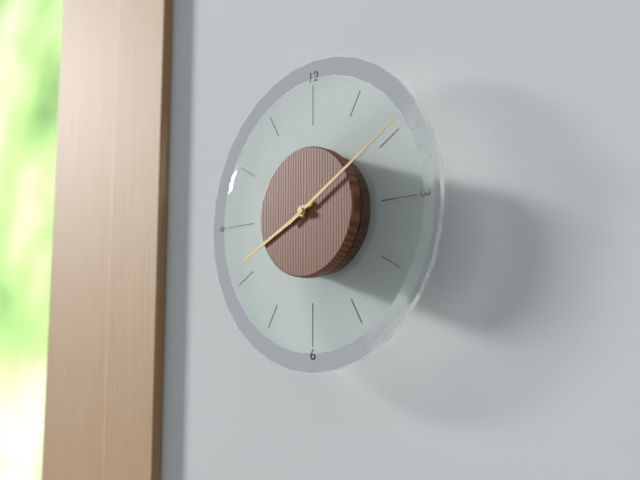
8:10
